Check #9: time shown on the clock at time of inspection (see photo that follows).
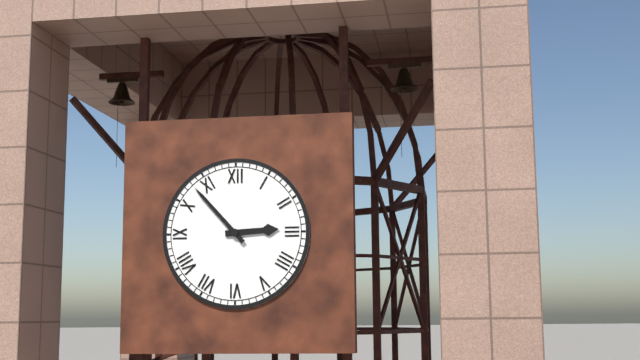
2:53
